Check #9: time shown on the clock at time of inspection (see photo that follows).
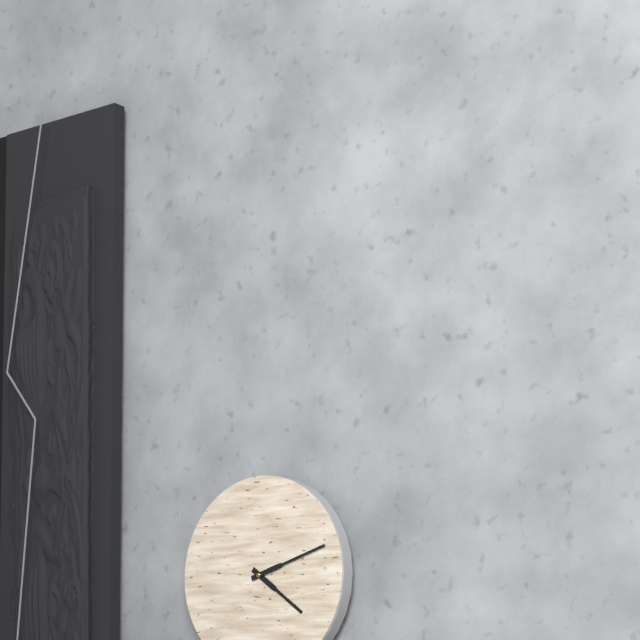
4:12
